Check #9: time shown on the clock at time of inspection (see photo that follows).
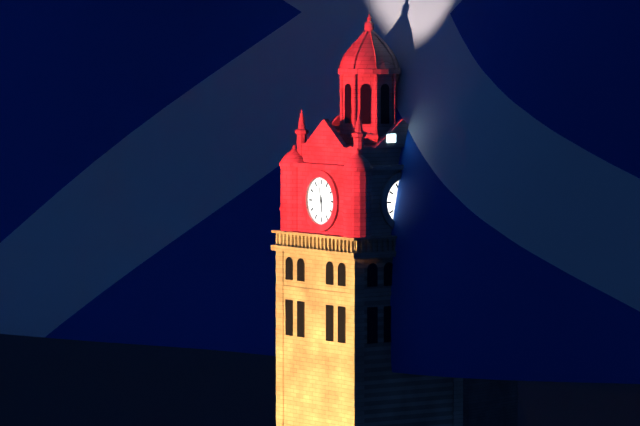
5:58
